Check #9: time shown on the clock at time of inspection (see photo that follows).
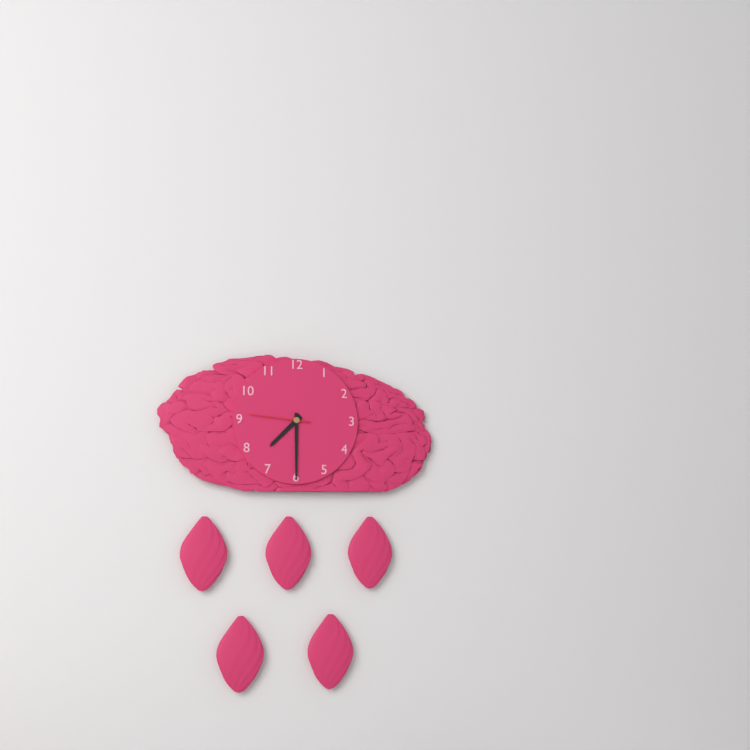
7:30:46
